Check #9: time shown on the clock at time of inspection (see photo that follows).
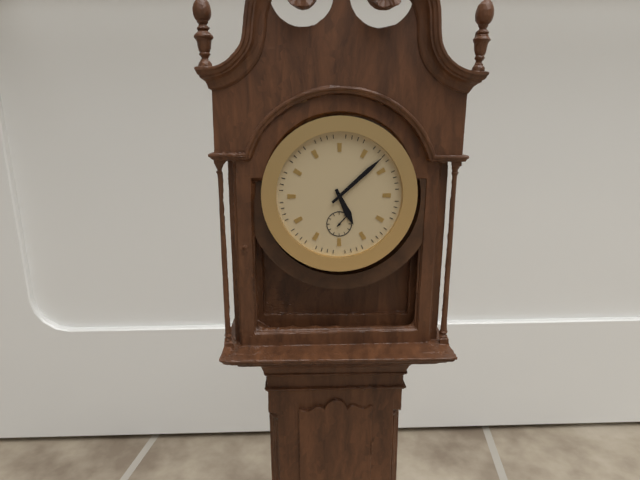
5:08
